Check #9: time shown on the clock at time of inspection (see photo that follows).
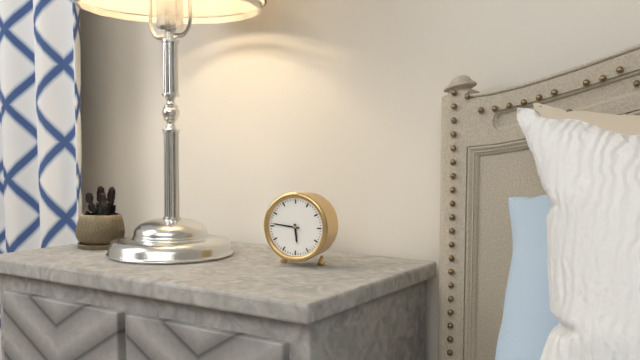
5:46
